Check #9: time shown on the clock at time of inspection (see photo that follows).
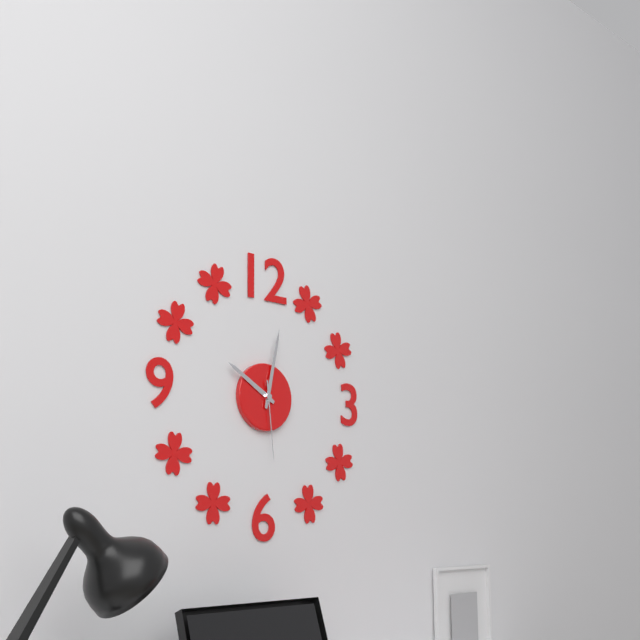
10:02:29
